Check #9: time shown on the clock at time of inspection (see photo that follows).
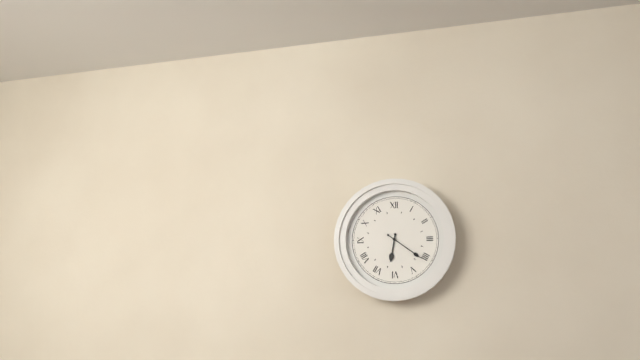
6:21
